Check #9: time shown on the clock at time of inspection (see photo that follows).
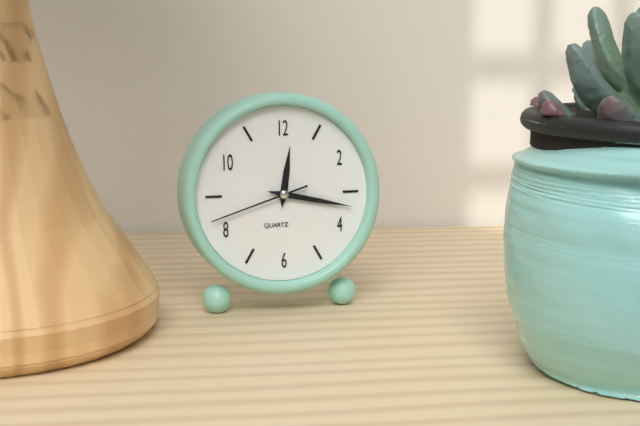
12:17:42
